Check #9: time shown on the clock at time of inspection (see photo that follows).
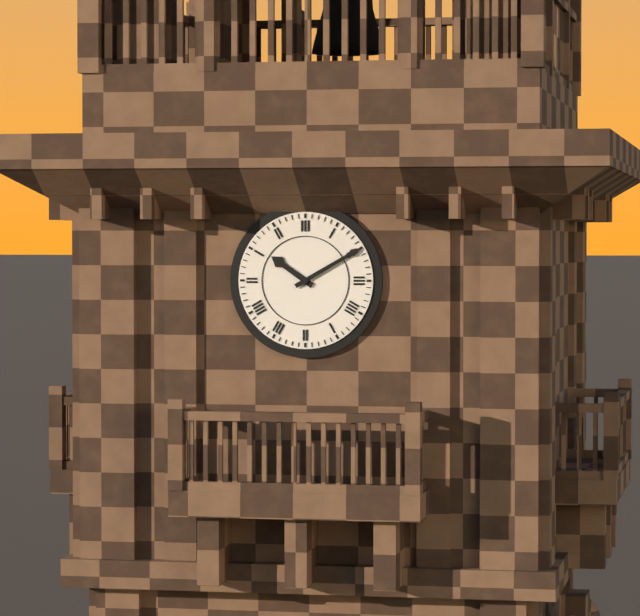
10:10
